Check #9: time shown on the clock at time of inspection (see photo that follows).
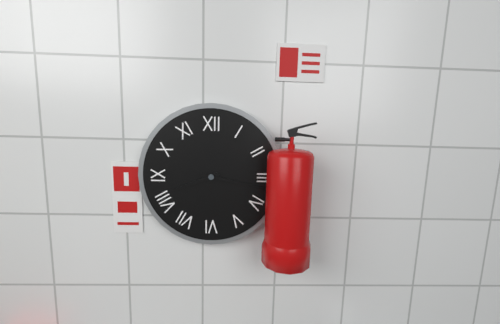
8:17
